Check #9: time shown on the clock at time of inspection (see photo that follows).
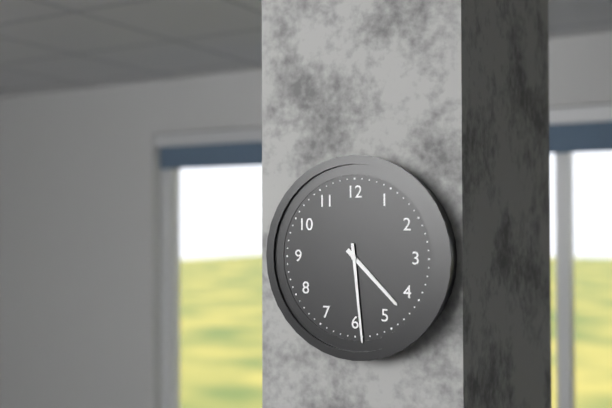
4:29
